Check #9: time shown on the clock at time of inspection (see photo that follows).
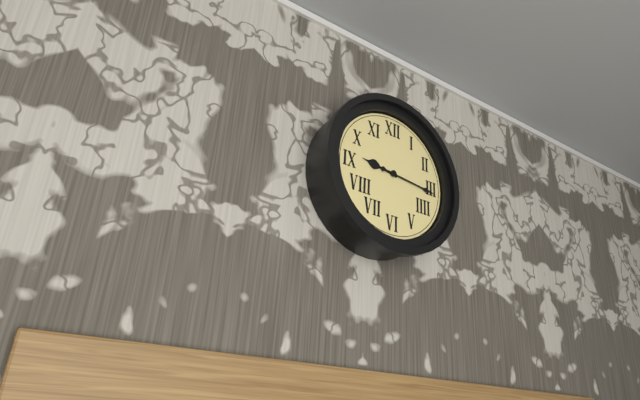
9:16
